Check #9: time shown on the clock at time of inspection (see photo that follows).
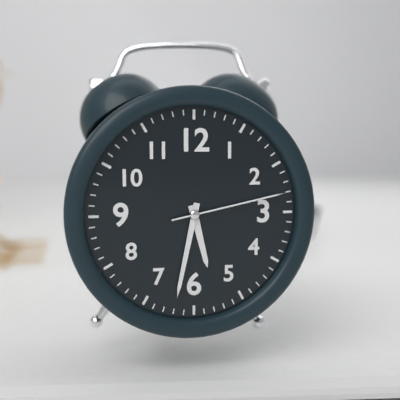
5:32:13
